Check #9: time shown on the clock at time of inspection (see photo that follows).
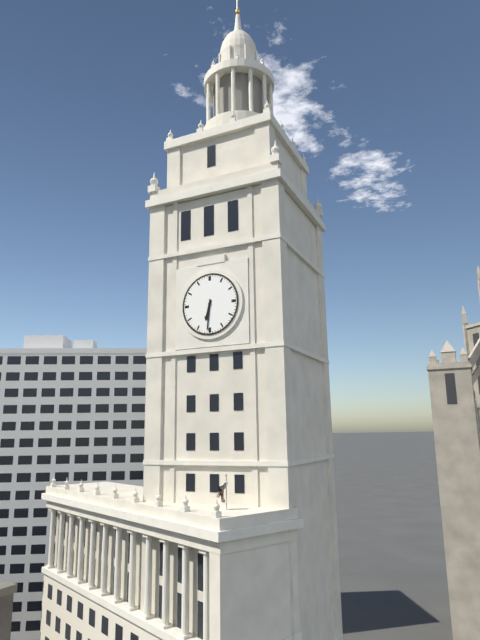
6:31
